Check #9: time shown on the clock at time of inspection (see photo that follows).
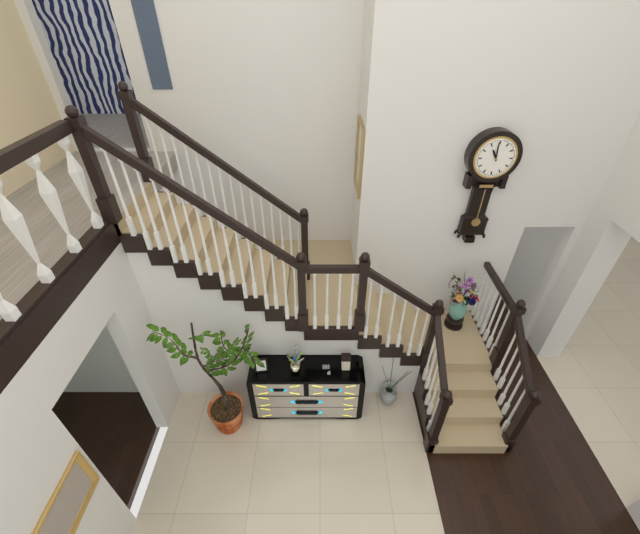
10:59
